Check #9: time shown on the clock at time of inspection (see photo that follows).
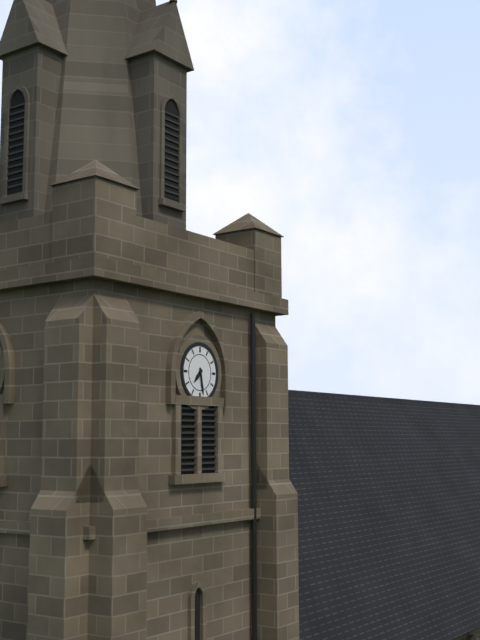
7:28
